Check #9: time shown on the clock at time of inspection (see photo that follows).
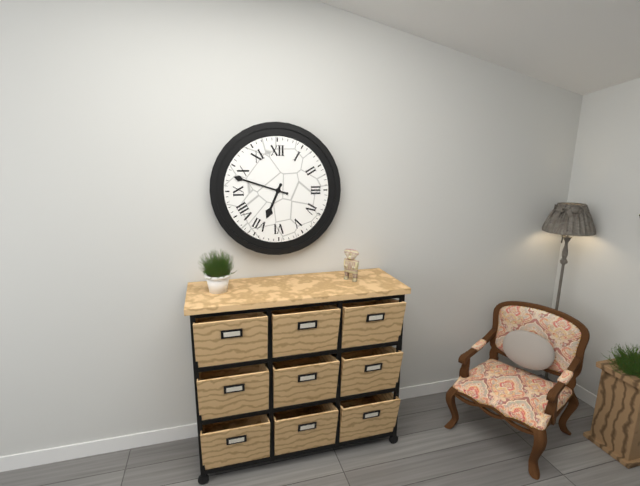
6:48
